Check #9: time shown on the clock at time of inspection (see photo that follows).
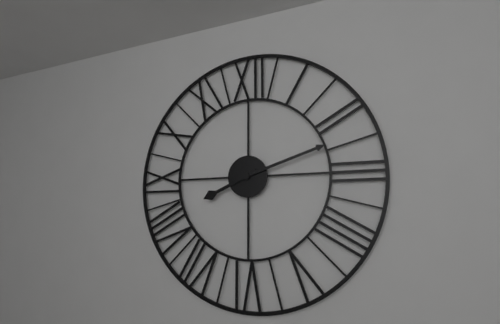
8:12
